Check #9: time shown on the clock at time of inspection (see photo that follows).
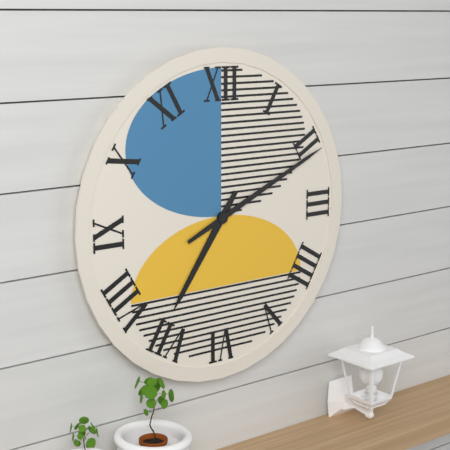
7:11
